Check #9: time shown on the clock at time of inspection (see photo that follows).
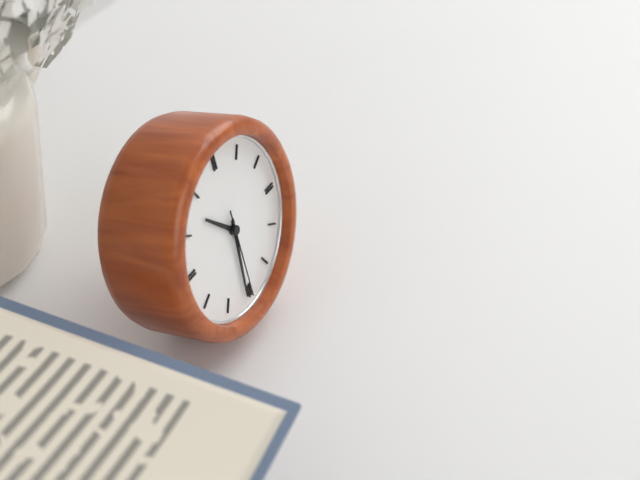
10:31:30
